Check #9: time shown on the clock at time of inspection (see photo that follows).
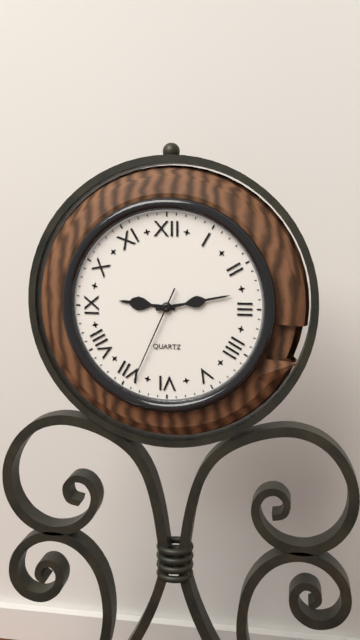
9:13:34
